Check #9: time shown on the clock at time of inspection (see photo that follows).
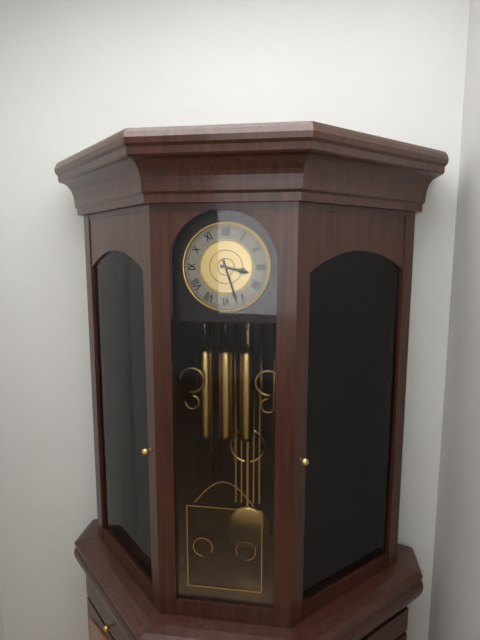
3:27
